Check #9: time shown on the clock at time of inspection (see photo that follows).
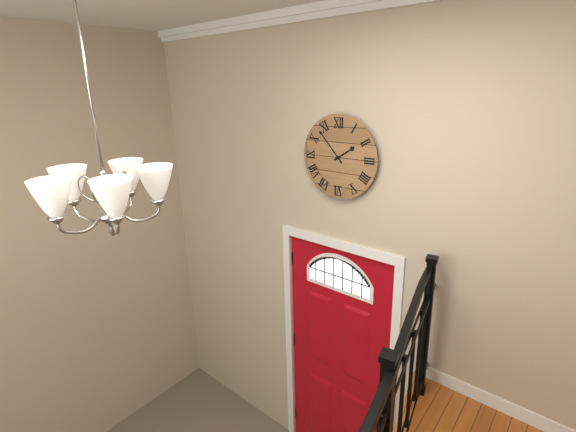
1:53
